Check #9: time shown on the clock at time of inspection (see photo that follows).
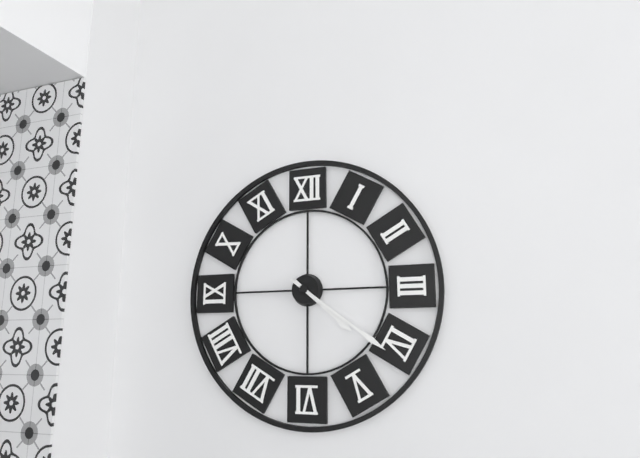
4:21
